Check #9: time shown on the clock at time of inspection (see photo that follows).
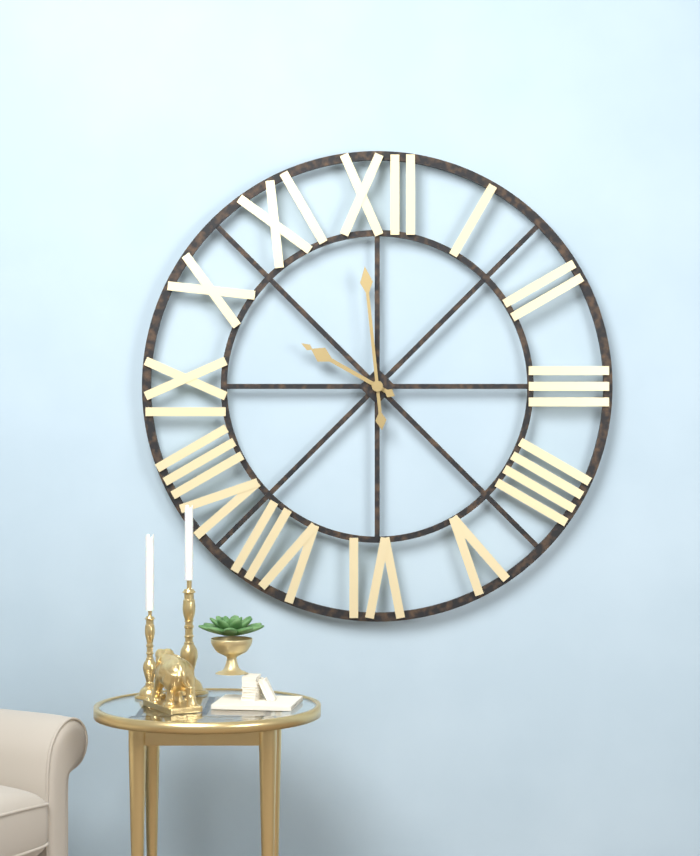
9:59
